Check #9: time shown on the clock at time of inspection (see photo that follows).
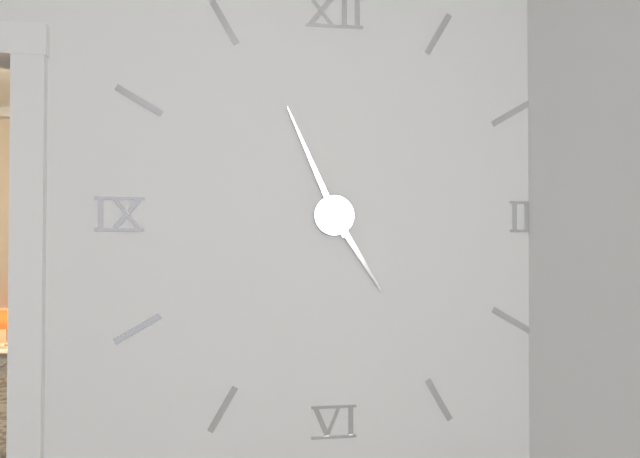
4:56
